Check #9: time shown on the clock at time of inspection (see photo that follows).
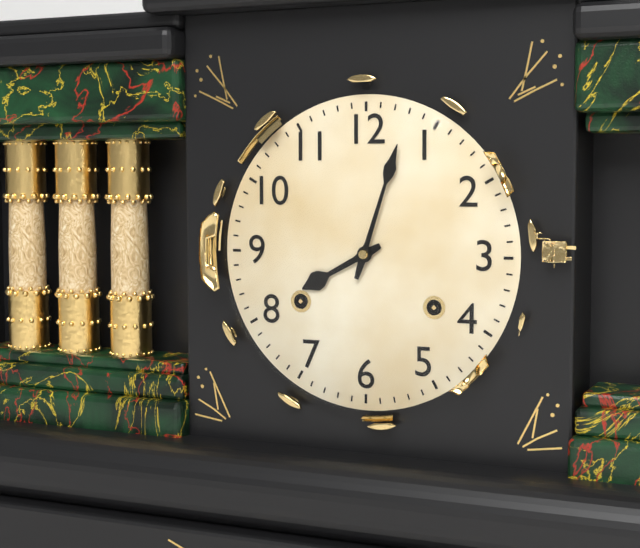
8:03
